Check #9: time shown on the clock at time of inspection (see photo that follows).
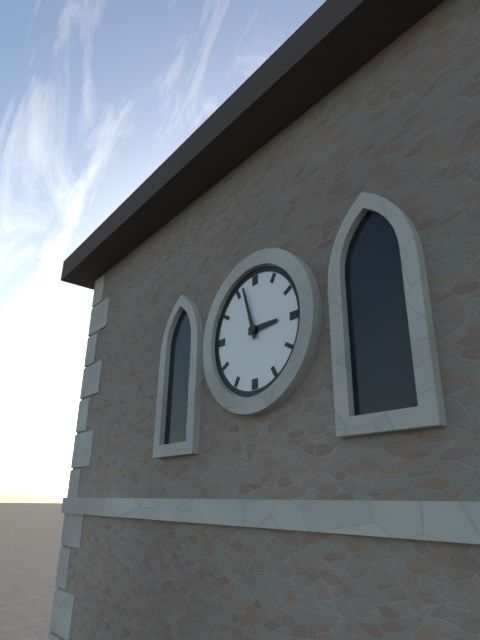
2:57
